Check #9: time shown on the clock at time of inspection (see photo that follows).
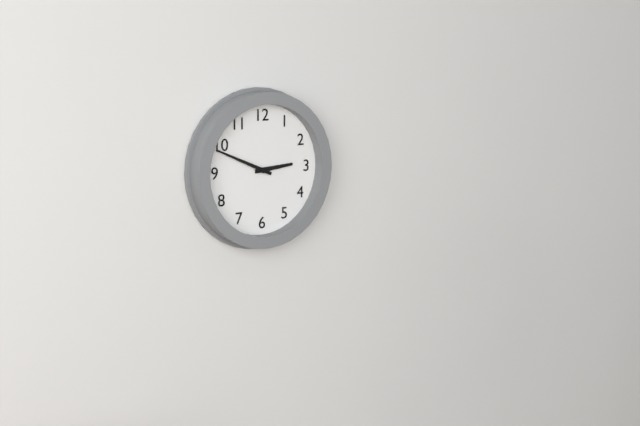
2:49
